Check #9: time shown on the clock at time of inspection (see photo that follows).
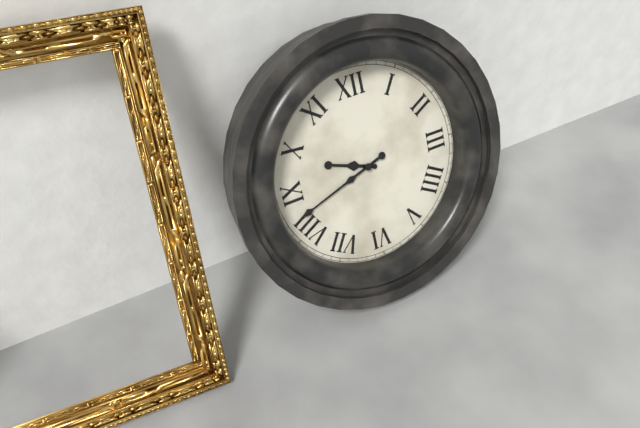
9:42
